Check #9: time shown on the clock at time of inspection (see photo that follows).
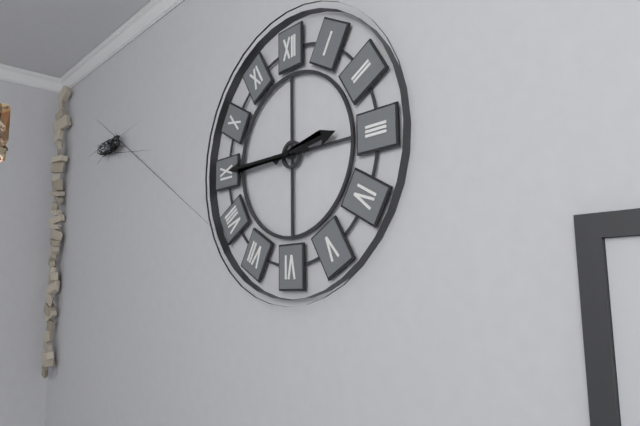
2:45
